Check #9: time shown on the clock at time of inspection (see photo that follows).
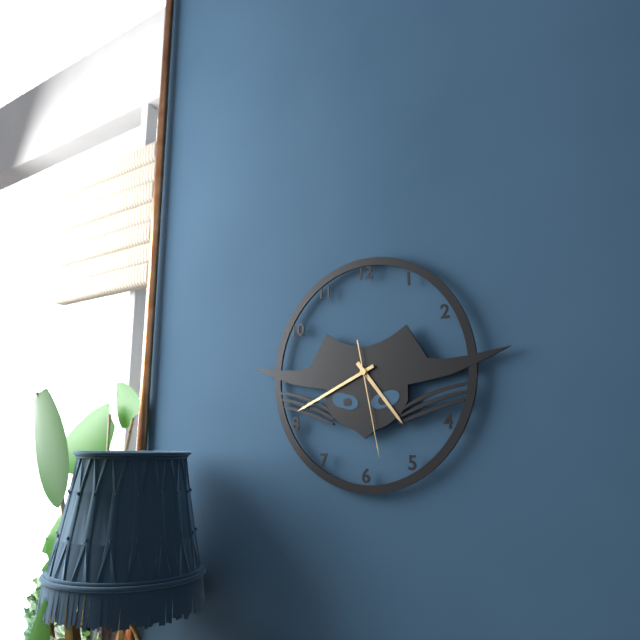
4:41:28
